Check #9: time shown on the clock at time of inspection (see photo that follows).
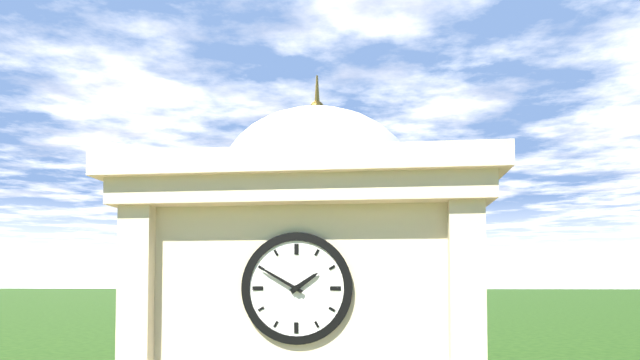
1:50
